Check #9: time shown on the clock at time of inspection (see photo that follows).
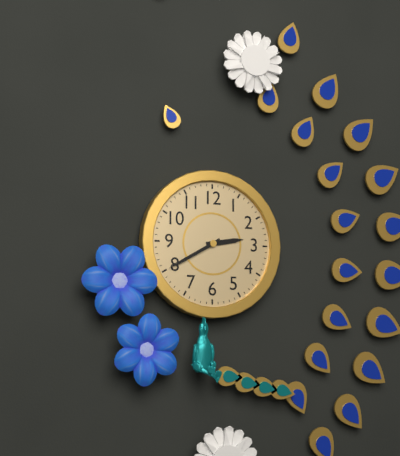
2:40
